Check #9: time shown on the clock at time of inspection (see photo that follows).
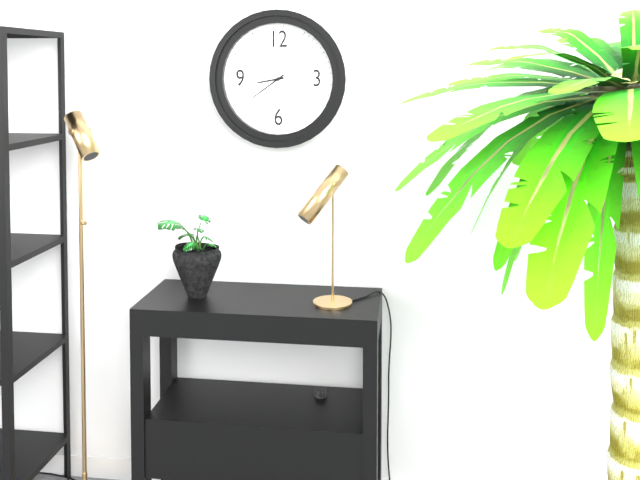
8:39
